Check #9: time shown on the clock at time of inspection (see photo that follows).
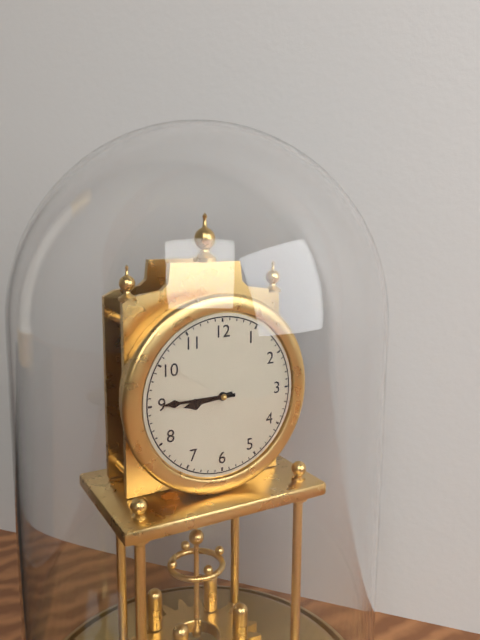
8:45
